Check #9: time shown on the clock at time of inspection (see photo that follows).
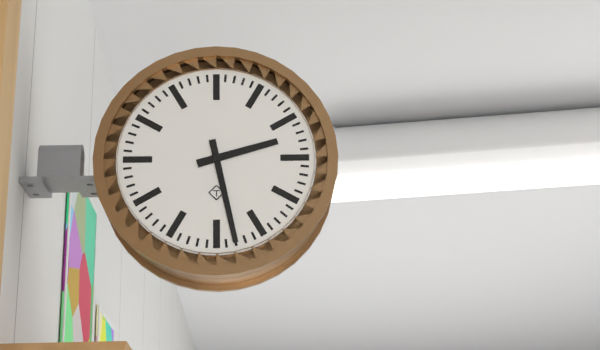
2:28
